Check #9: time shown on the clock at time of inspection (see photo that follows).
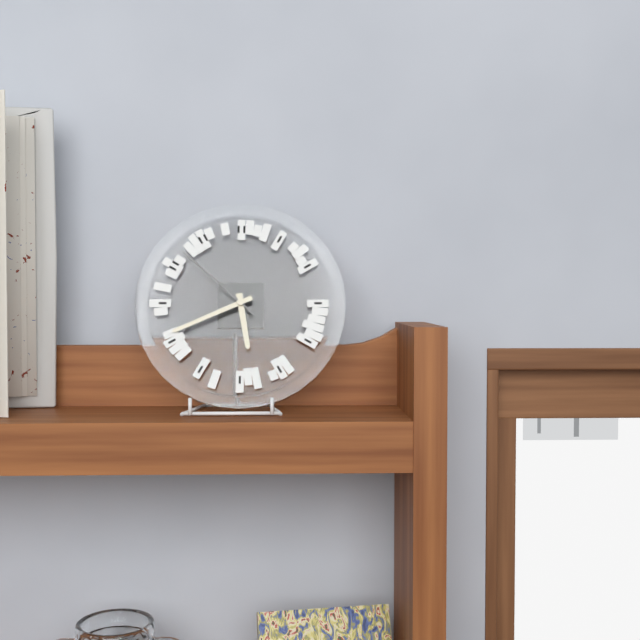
5:41:52
